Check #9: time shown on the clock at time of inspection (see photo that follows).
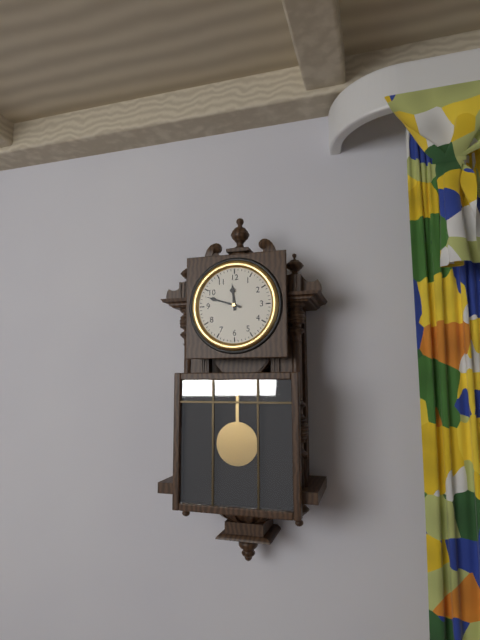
11:48
